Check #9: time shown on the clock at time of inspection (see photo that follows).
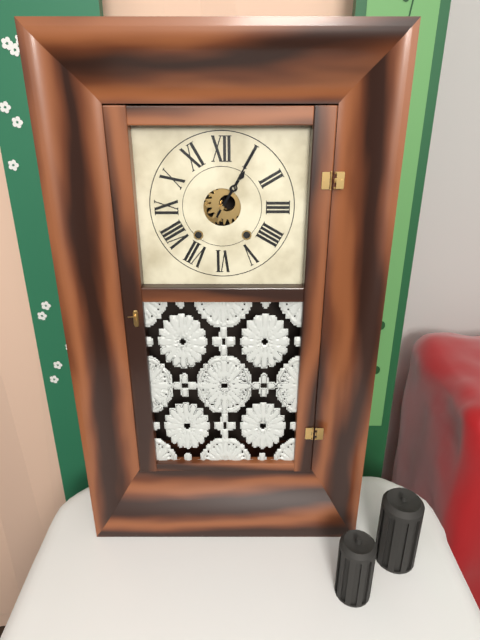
1:05
